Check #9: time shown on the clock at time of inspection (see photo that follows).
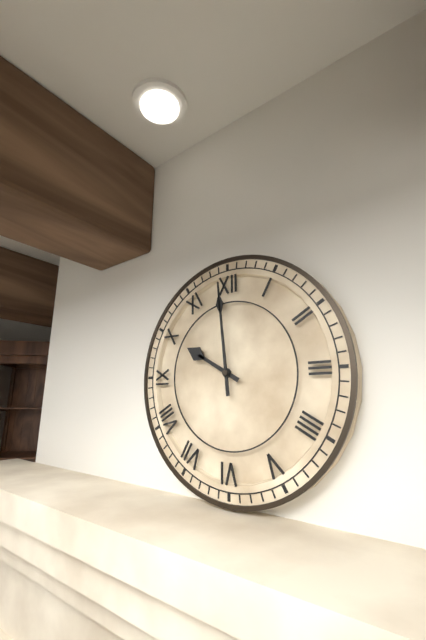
9:59
